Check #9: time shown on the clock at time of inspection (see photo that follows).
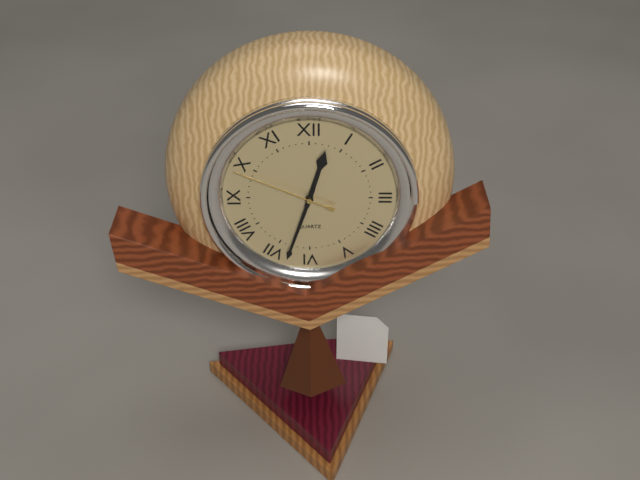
12:33:49
